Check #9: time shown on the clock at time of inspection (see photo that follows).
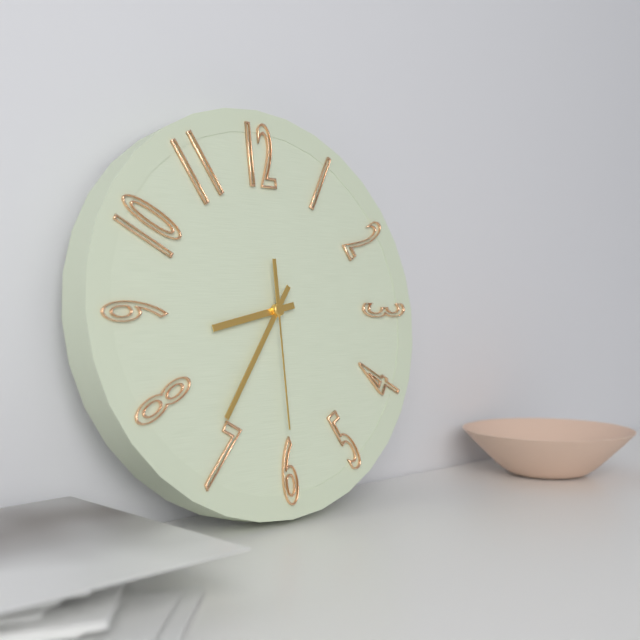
8:36:30
